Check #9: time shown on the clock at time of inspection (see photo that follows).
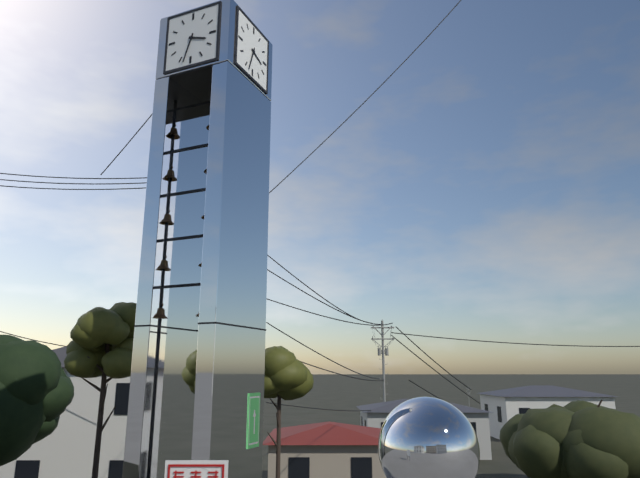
3:33
